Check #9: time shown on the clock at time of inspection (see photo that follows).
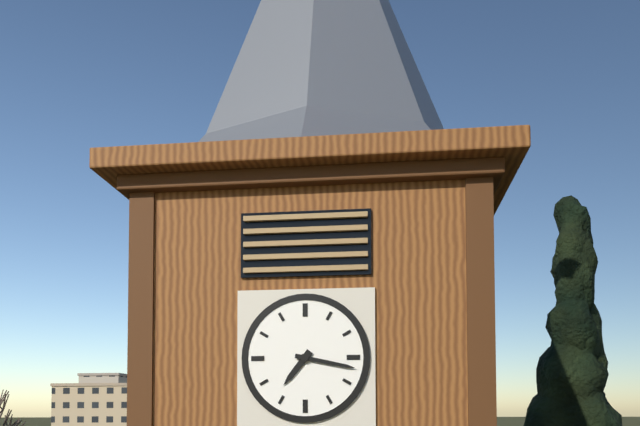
7:17
